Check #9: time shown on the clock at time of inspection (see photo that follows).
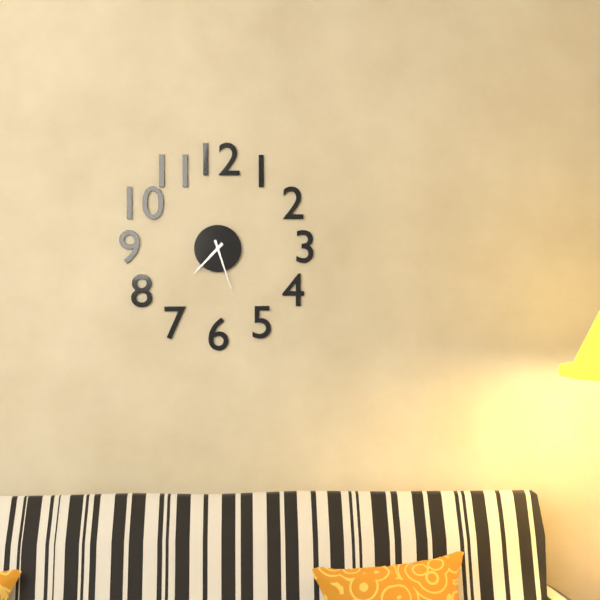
7:27
